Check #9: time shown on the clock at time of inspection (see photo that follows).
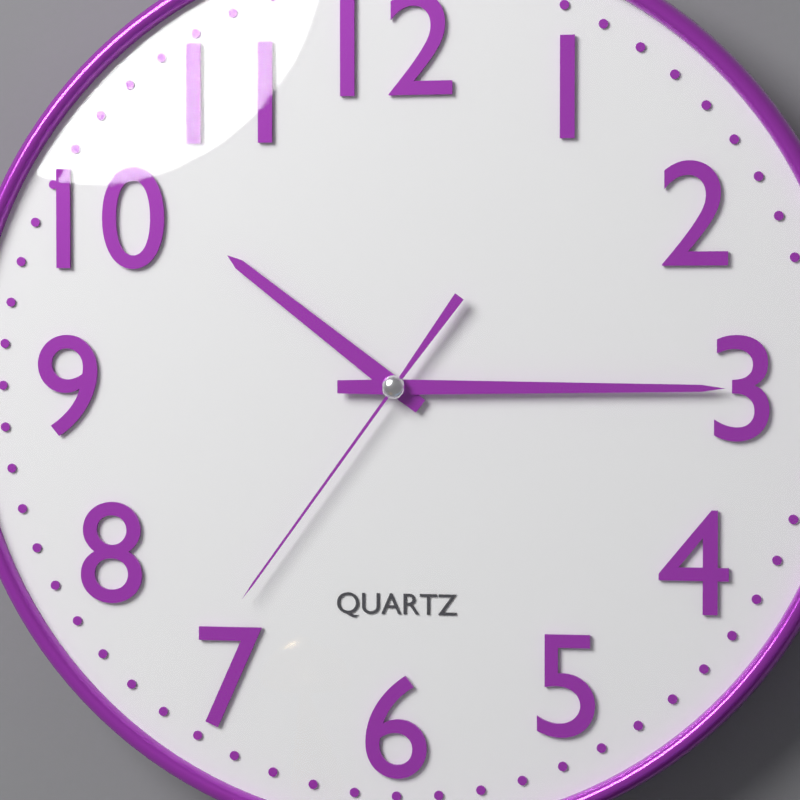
10:15:36
